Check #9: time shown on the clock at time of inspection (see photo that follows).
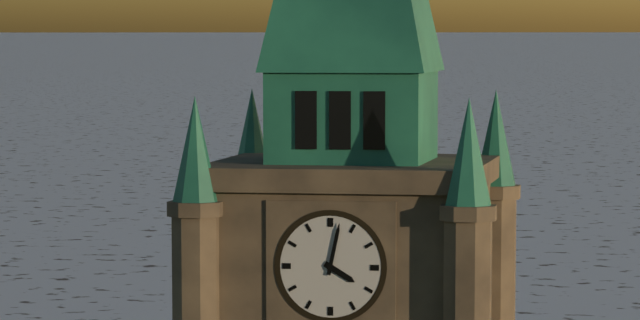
4:02
